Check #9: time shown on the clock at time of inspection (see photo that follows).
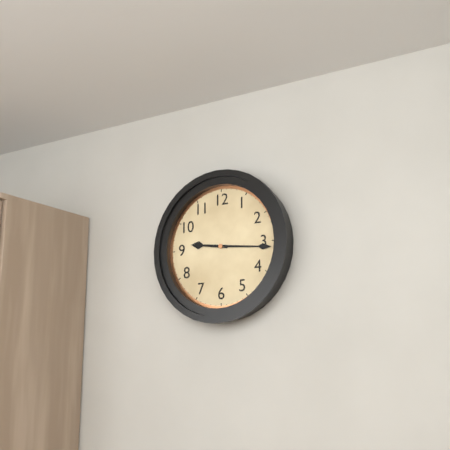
9:16
